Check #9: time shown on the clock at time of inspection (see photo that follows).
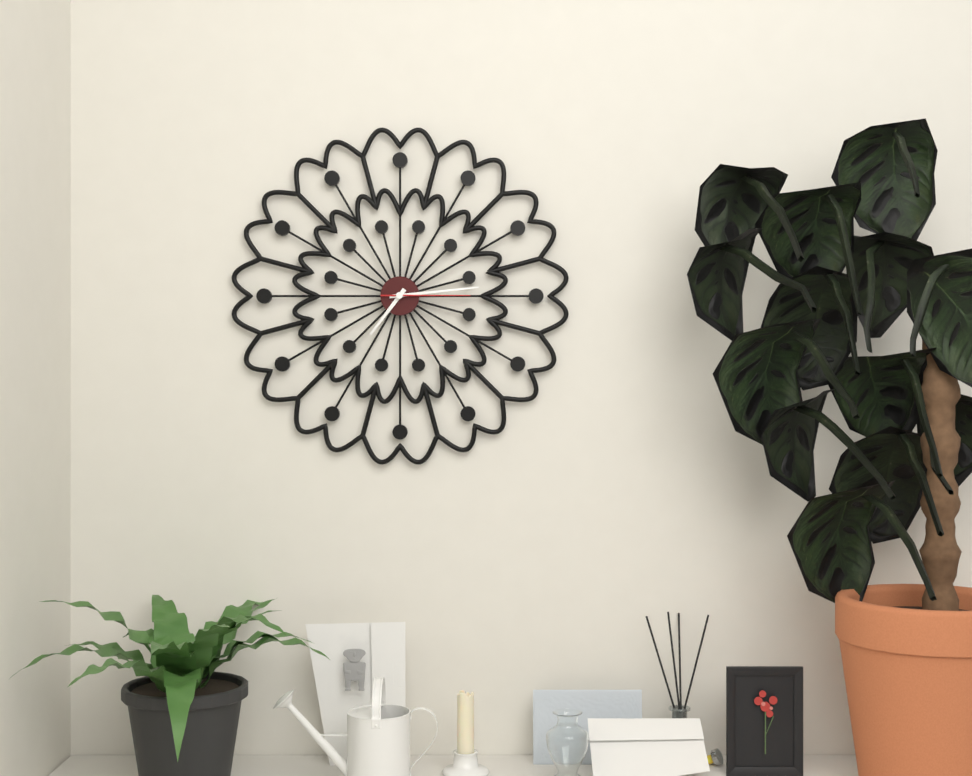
7:14:15
